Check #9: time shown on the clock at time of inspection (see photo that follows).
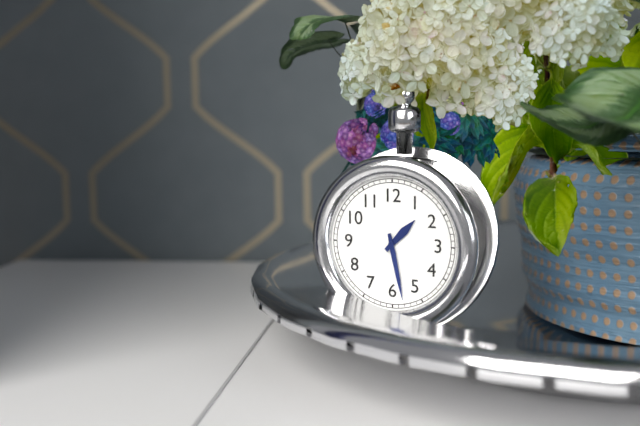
1:28
